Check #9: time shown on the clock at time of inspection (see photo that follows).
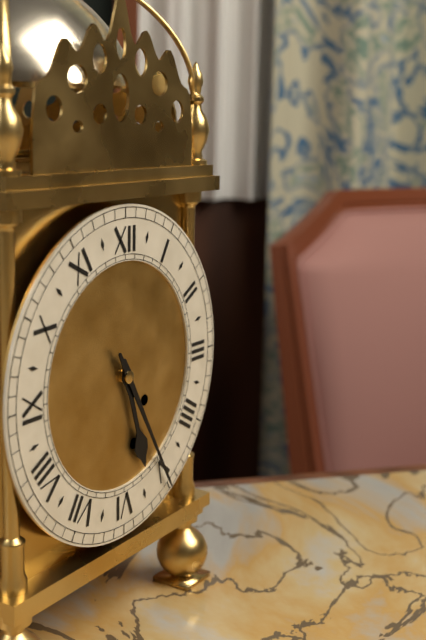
5:25
